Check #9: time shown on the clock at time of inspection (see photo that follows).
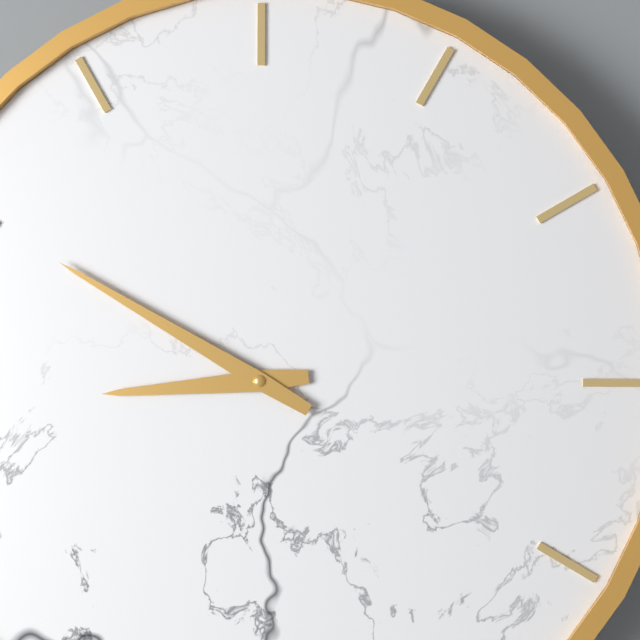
8:50
